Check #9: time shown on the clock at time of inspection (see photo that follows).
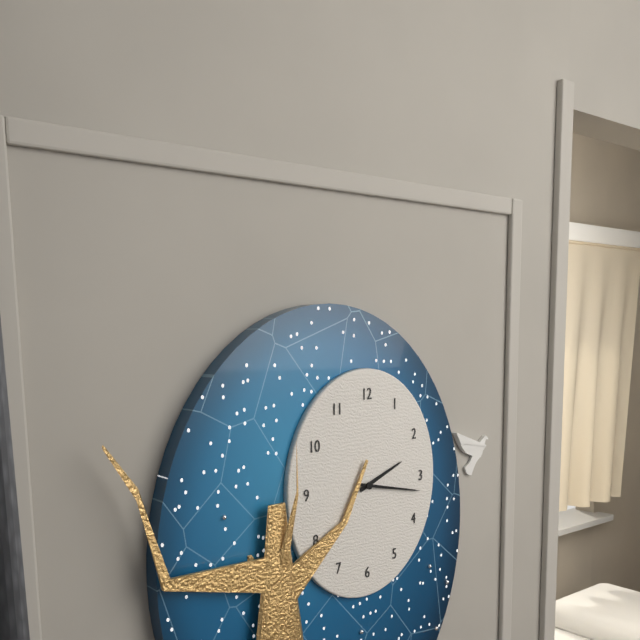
2:17
